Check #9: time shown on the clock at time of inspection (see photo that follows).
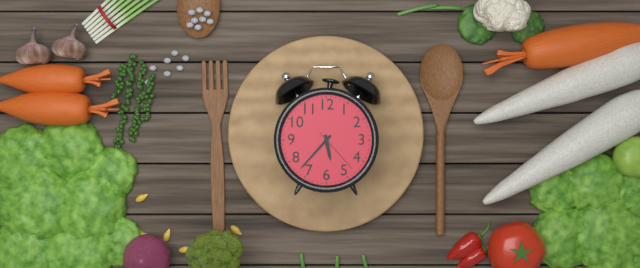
5:37
